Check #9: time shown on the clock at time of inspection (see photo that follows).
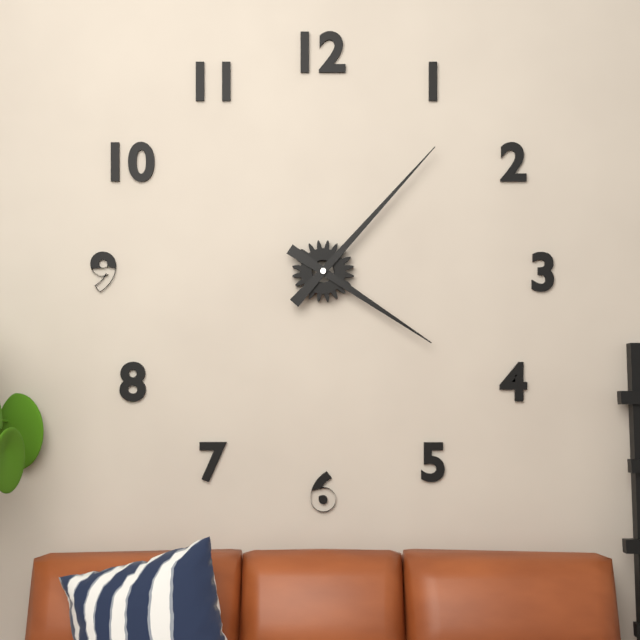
4:07
